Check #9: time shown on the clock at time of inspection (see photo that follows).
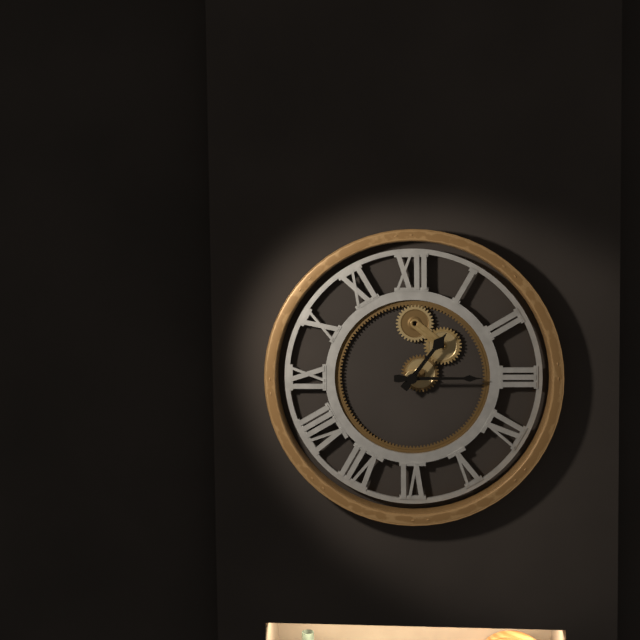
1:15
